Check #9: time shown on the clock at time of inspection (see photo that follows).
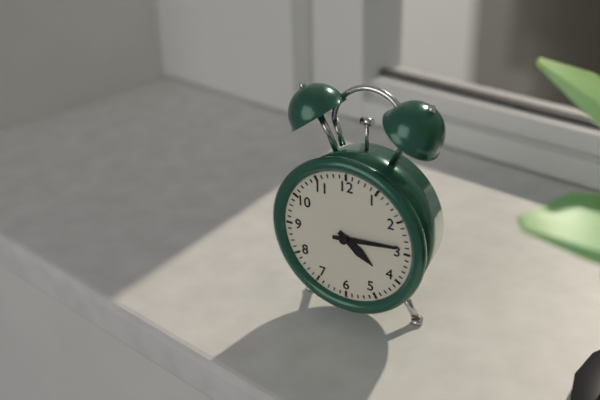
4:14
